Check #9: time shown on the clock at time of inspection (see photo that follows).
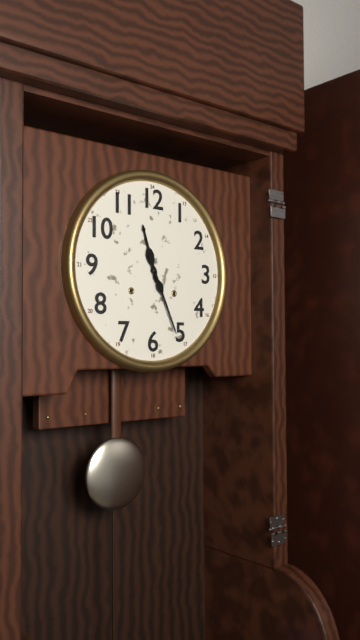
11:26
